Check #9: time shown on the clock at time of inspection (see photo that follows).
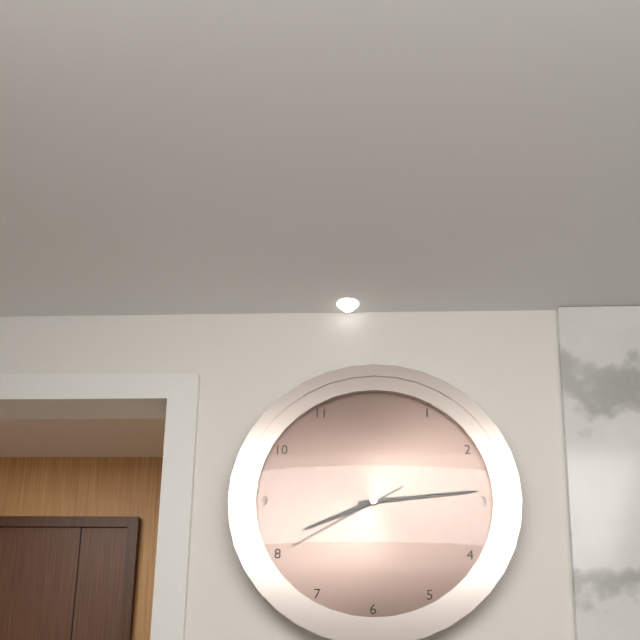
8:14:40
